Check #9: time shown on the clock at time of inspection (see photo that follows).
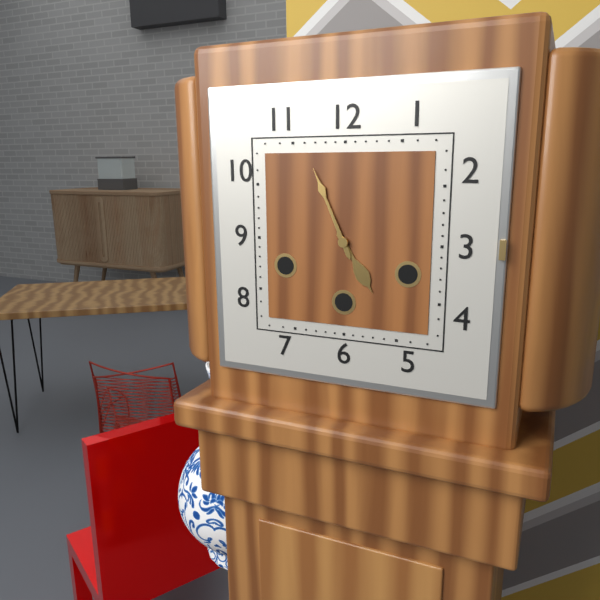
4:56
